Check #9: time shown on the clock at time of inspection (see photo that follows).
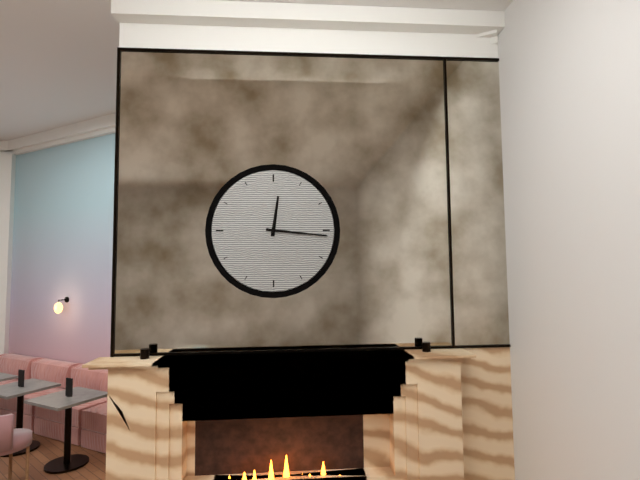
12:16
